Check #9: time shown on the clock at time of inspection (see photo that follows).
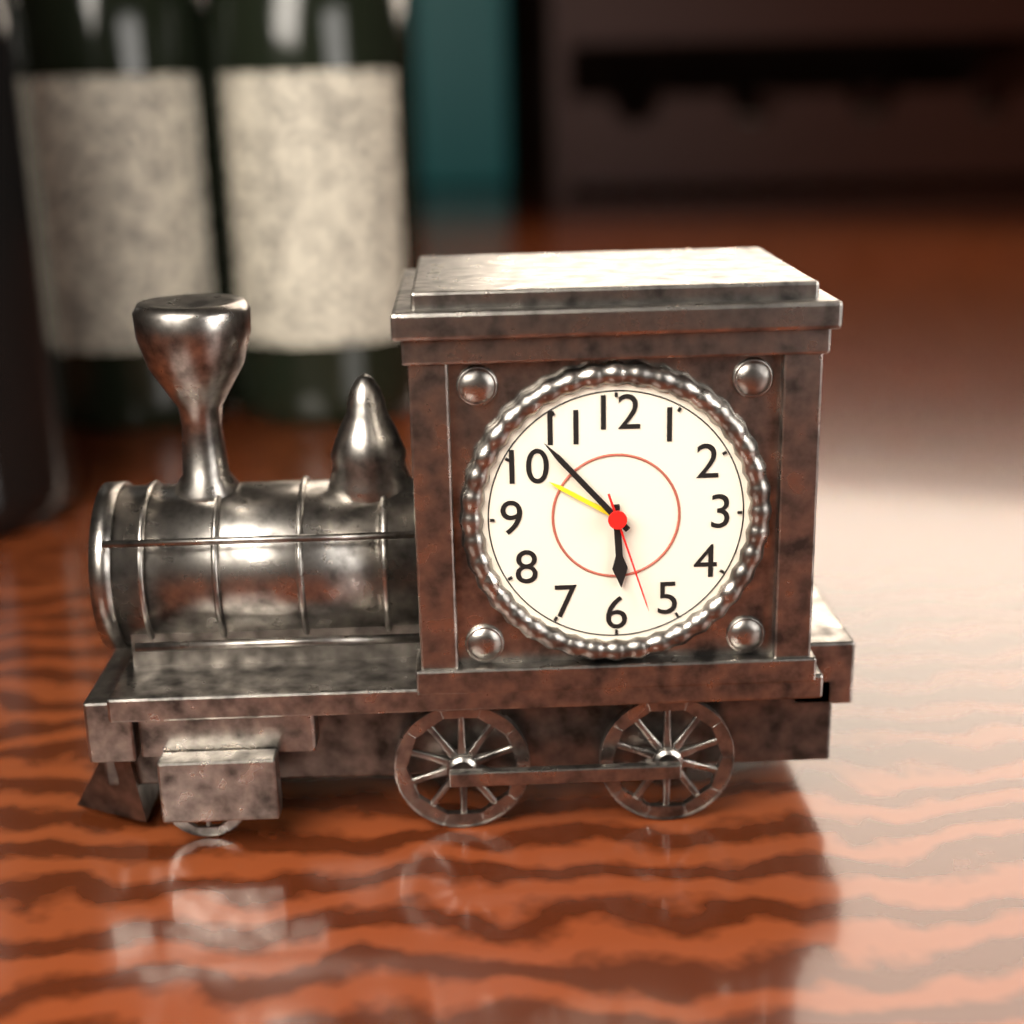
5:53:27
